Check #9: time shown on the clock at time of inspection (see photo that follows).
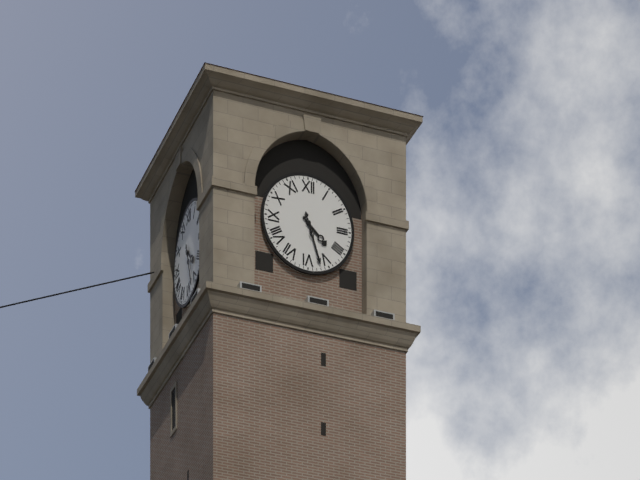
4:27
